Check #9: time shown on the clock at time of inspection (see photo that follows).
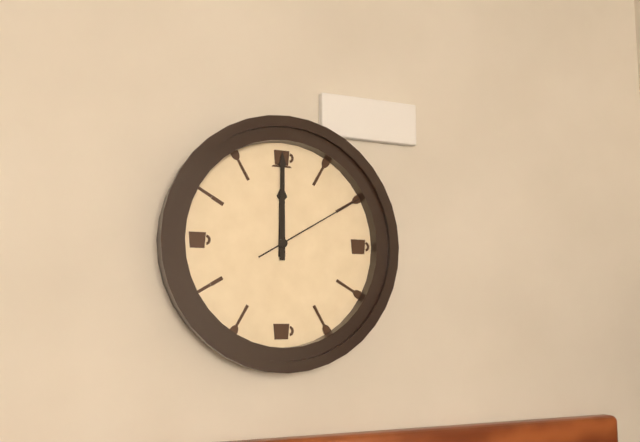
12:00:10
